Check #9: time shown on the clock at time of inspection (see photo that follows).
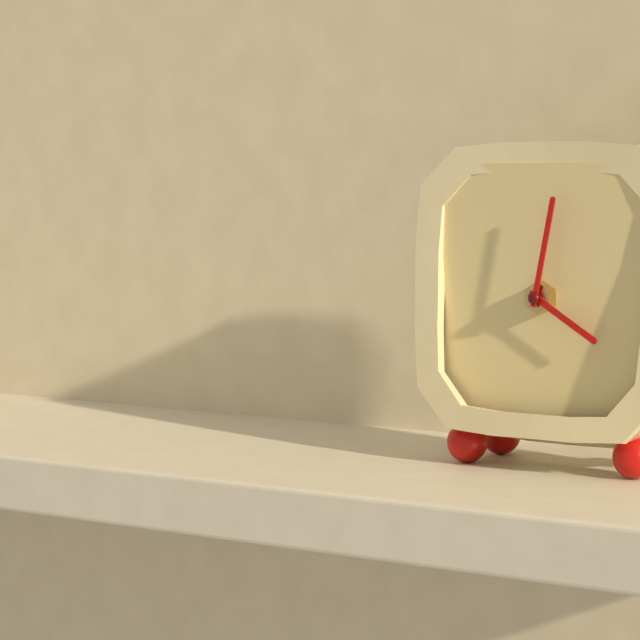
4:02
